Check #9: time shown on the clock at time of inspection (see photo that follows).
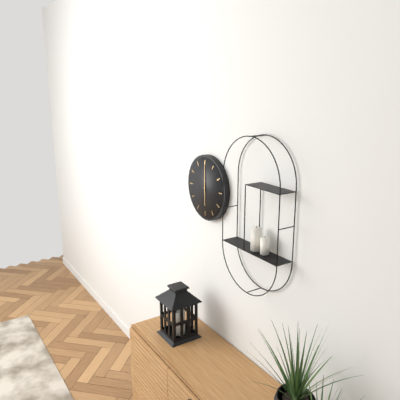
6:00
